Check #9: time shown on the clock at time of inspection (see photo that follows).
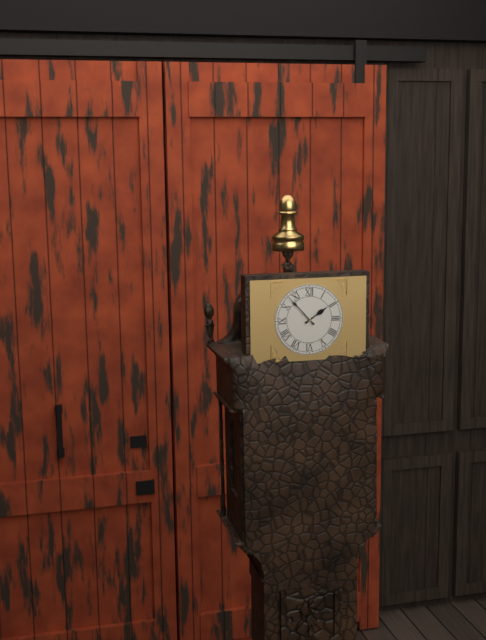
1:53
